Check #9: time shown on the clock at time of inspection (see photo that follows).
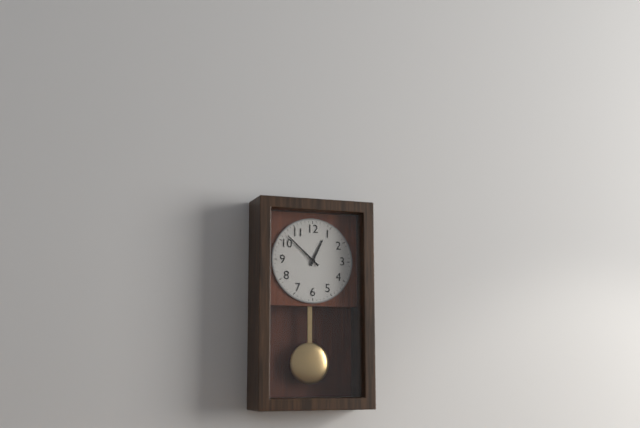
12:52
